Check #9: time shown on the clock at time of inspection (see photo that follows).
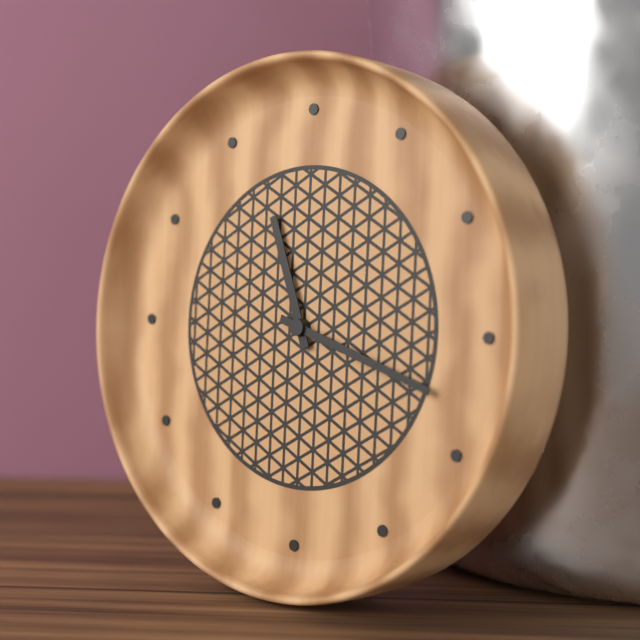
11:18
